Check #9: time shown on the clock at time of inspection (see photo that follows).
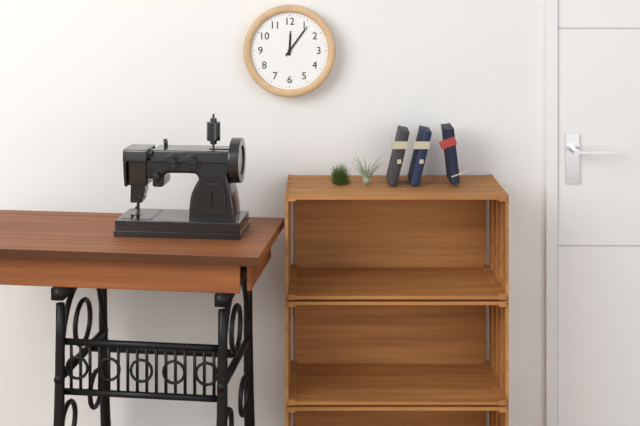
12:06
